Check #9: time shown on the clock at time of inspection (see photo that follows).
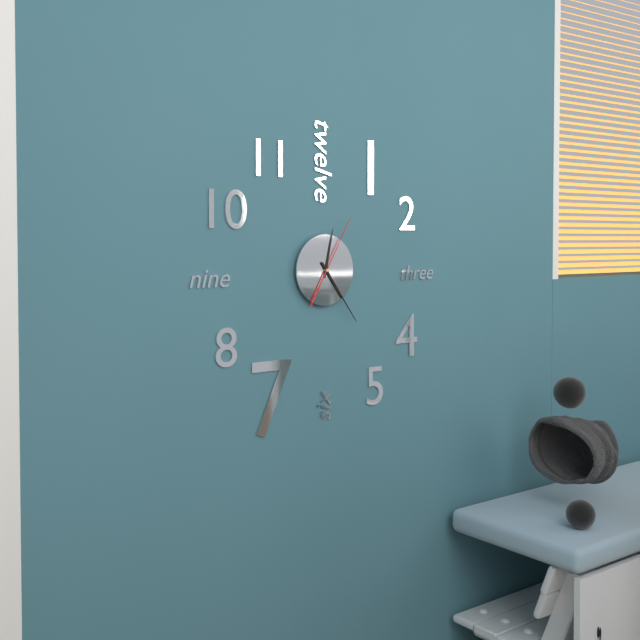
12:24:05
